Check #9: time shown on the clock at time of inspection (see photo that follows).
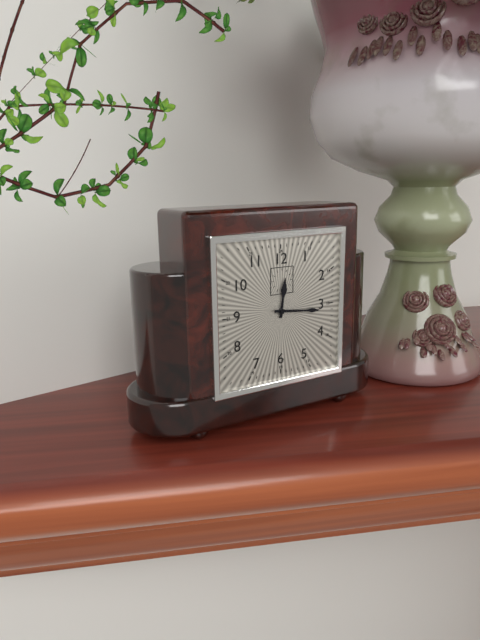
12:16
